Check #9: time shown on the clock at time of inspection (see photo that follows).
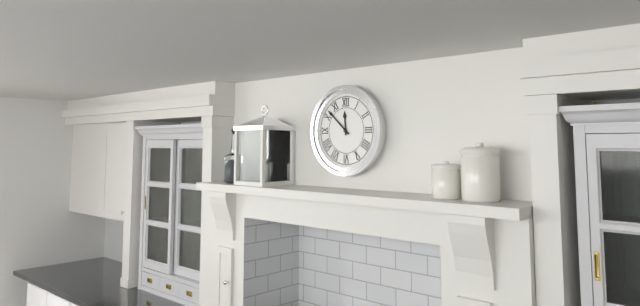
11:52
